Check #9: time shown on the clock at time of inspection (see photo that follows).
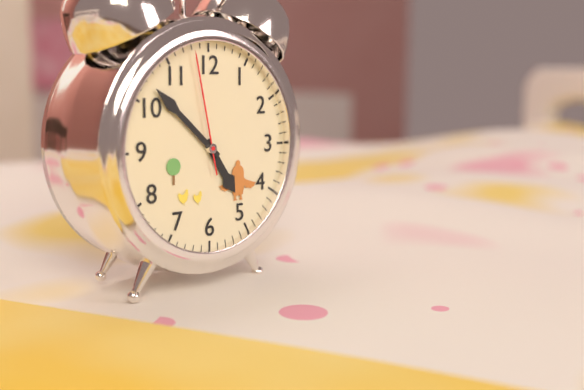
4:52:58
